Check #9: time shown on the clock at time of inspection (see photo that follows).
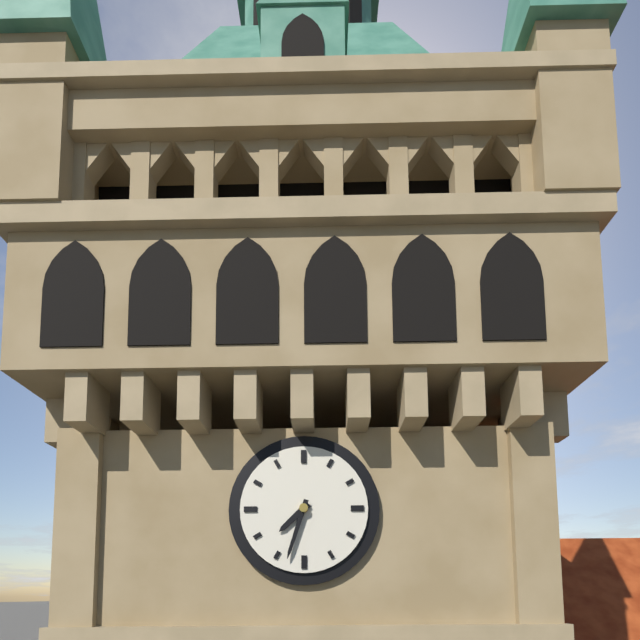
7:33
